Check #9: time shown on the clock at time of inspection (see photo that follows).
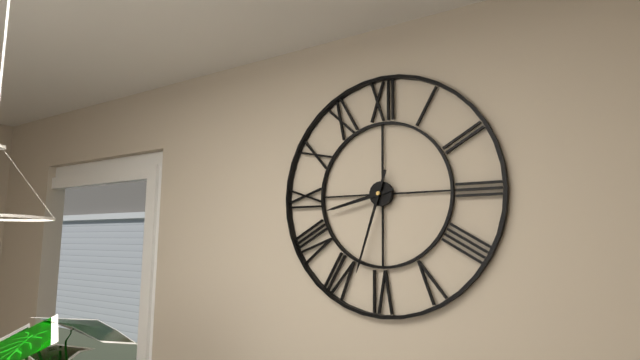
8:33
